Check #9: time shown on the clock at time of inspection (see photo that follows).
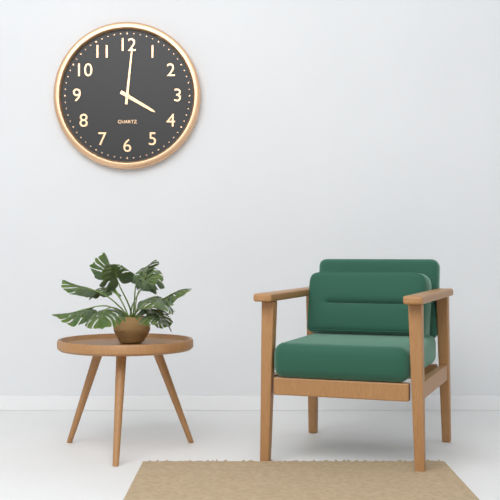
4:01
